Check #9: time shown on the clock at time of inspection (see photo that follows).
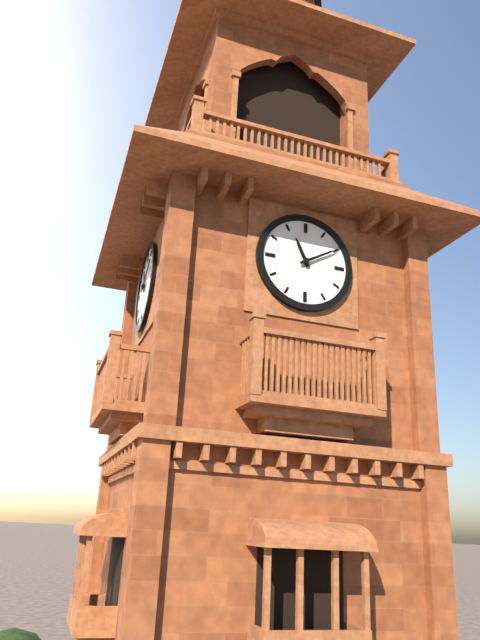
11:10
